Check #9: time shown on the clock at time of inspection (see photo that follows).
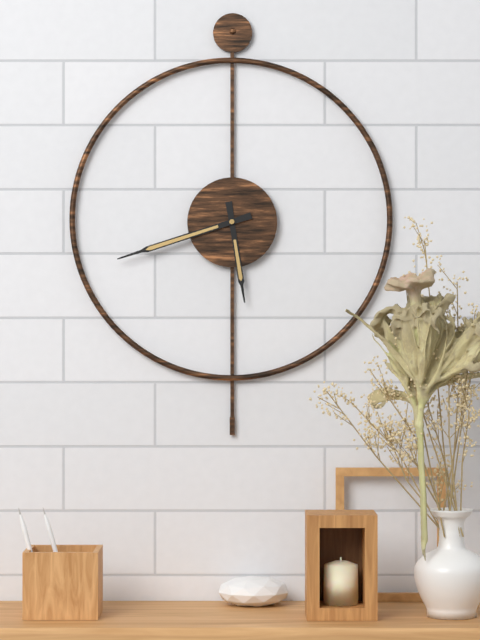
5:42
